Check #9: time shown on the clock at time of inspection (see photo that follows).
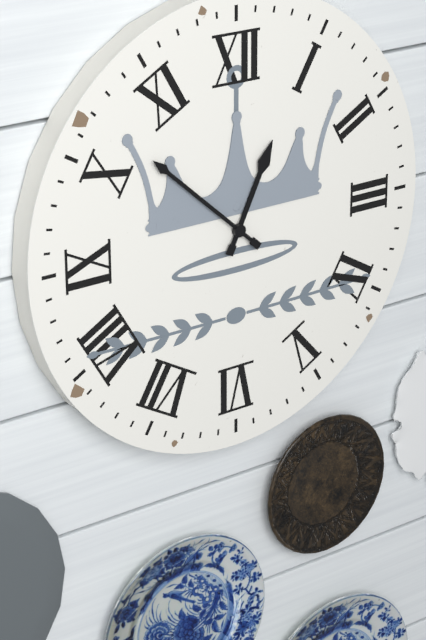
12:52
